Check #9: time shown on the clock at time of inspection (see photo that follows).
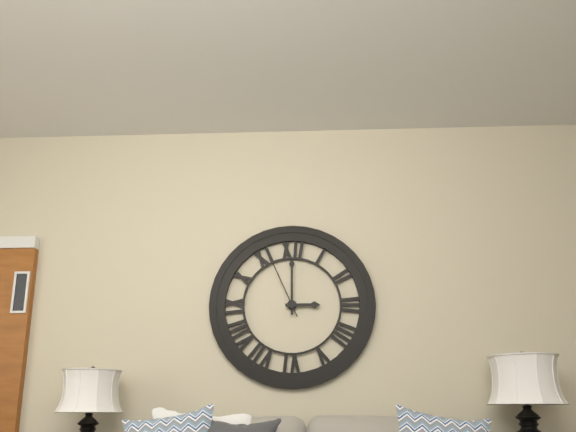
3:00:56
